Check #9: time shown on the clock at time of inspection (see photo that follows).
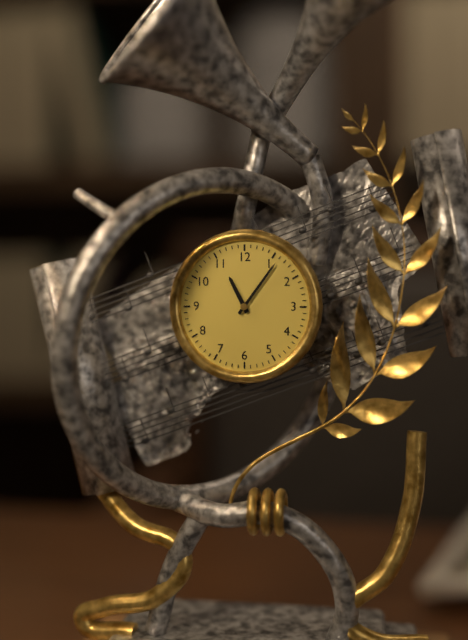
11:06
